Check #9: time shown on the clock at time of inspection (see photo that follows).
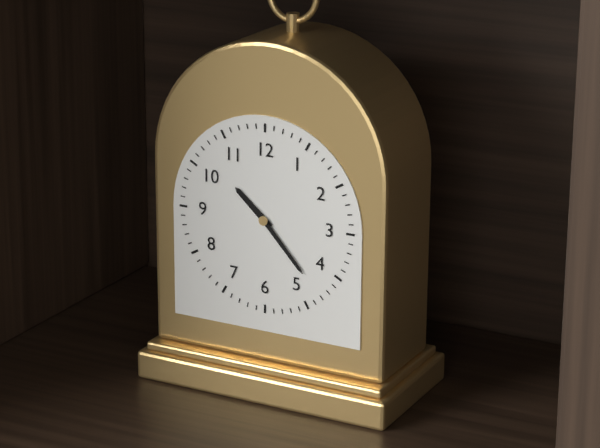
10:23
